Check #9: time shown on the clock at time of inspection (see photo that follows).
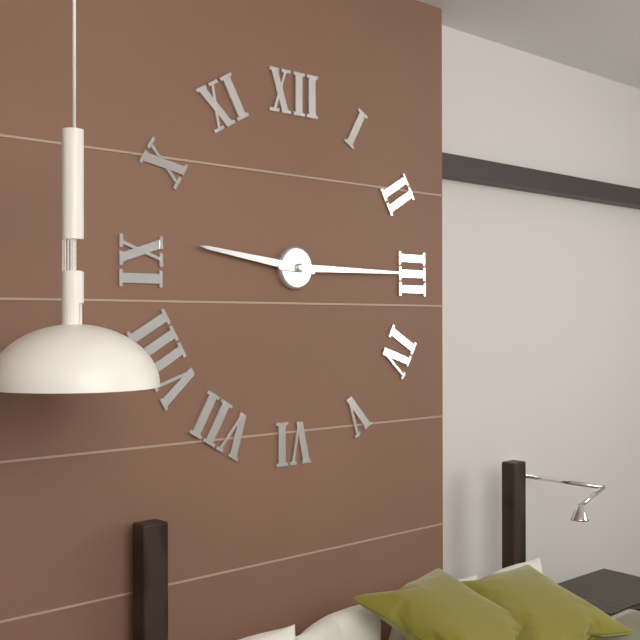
9:15
